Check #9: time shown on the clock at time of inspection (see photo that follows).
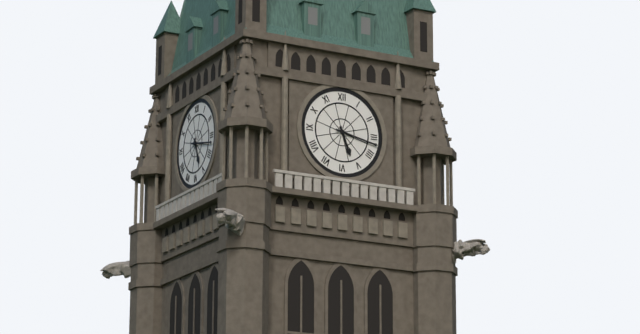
5:17
